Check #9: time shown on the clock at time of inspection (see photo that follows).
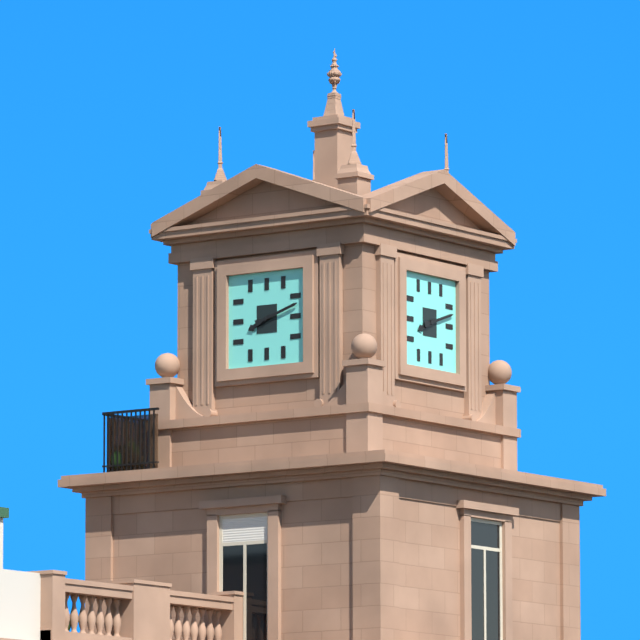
8:12
